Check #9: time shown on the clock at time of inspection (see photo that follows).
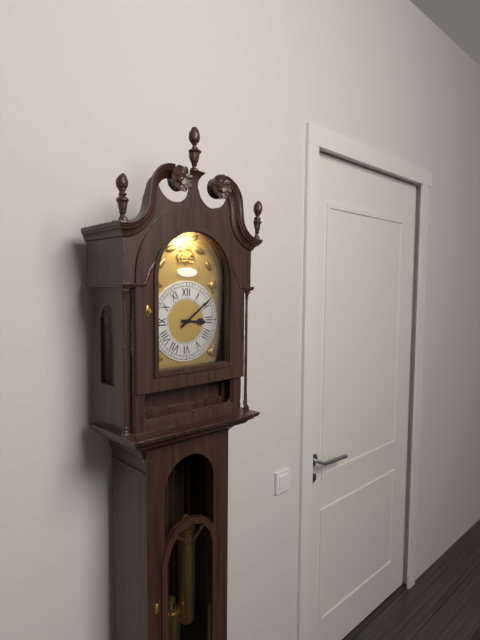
3:09
